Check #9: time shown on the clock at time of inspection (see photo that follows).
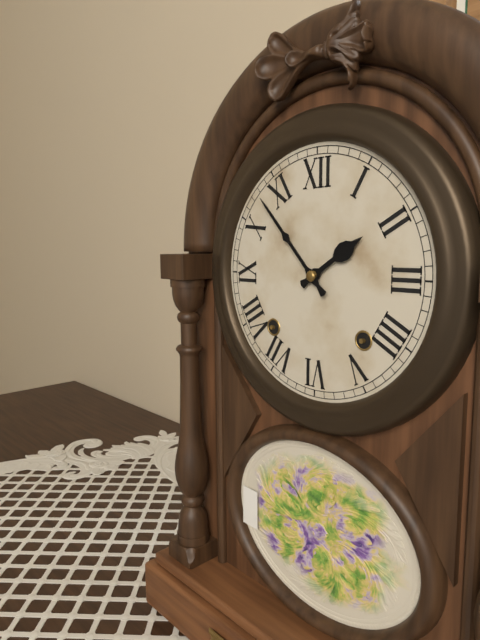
1:53
